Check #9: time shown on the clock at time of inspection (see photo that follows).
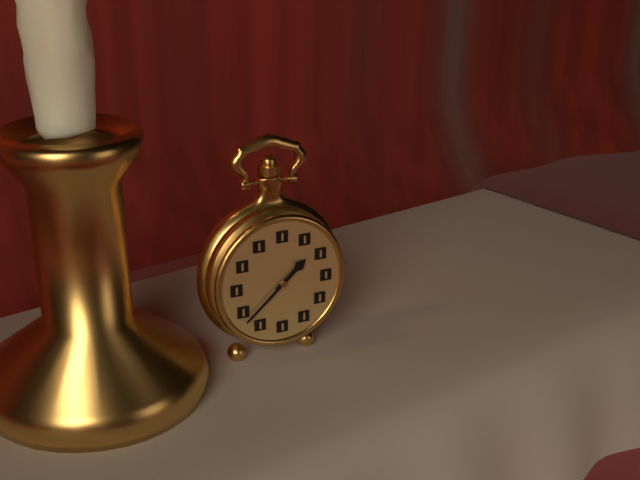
1:38
